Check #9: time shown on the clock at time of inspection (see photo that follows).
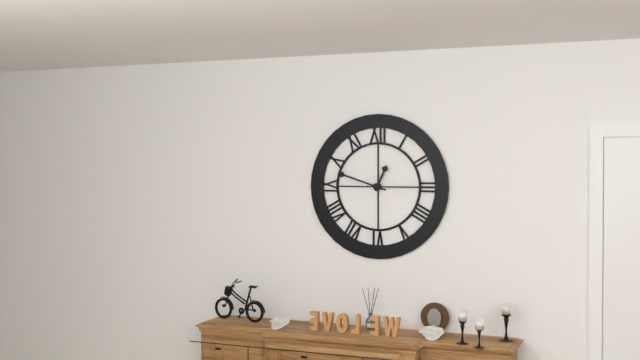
12:48
